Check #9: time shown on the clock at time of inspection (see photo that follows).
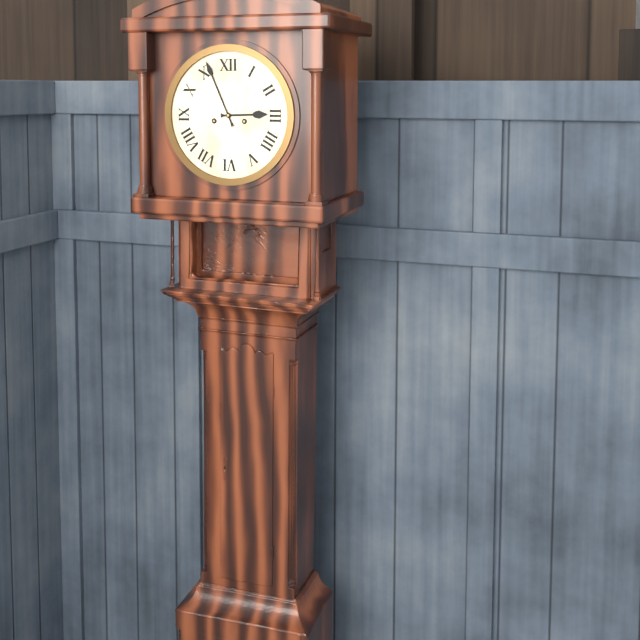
2:56
